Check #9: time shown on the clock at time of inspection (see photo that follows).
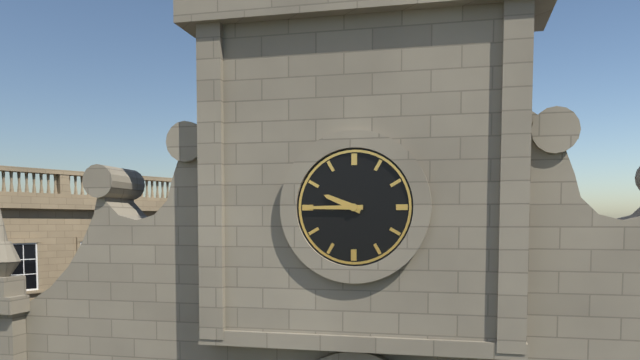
9:45
